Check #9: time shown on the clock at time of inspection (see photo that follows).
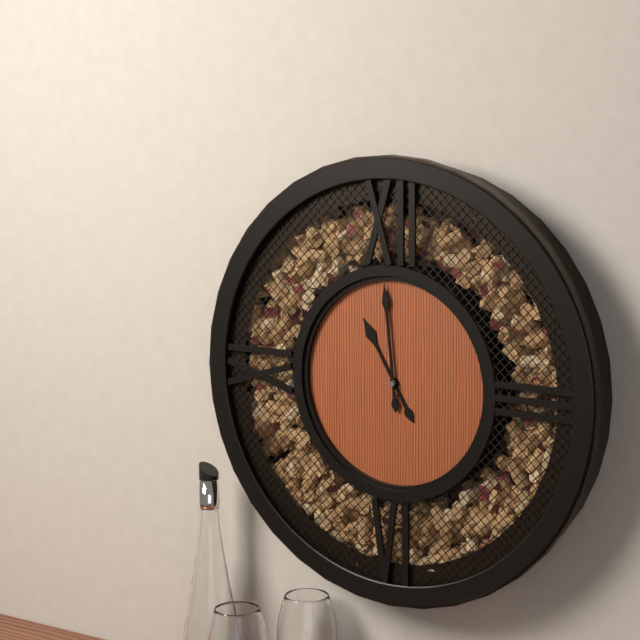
10:59
